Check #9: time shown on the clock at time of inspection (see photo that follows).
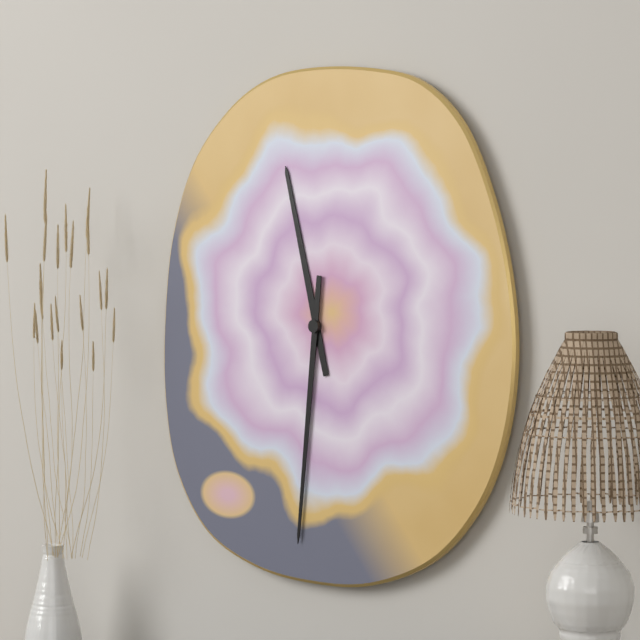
11:31
